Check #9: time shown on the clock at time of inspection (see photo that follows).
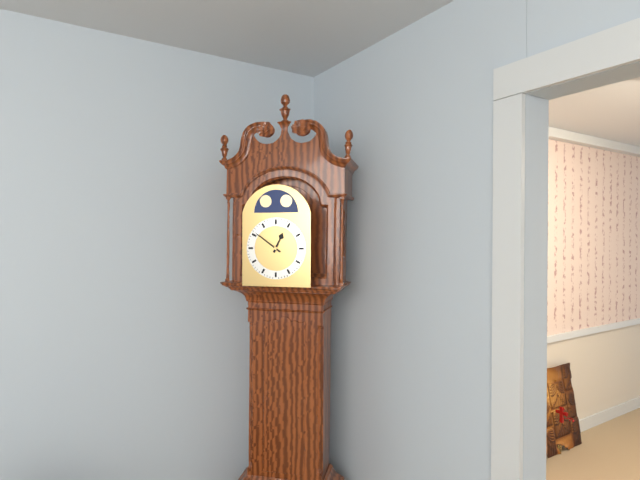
12:51
